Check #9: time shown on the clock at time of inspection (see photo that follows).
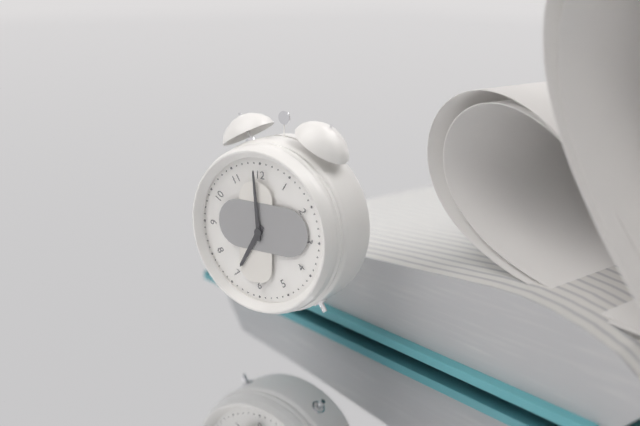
6:59
